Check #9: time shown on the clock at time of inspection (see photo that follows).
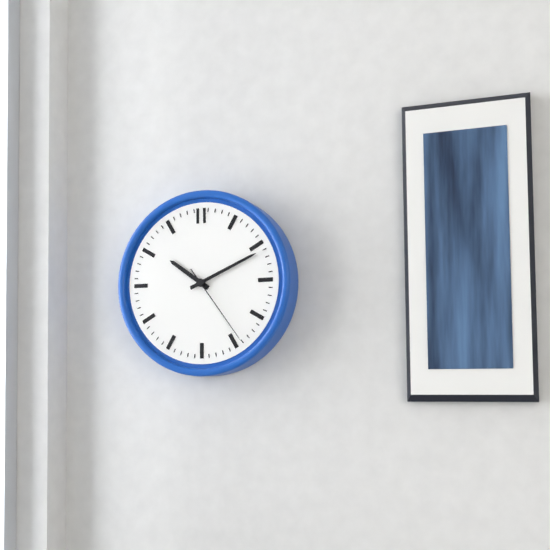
10:11:24
